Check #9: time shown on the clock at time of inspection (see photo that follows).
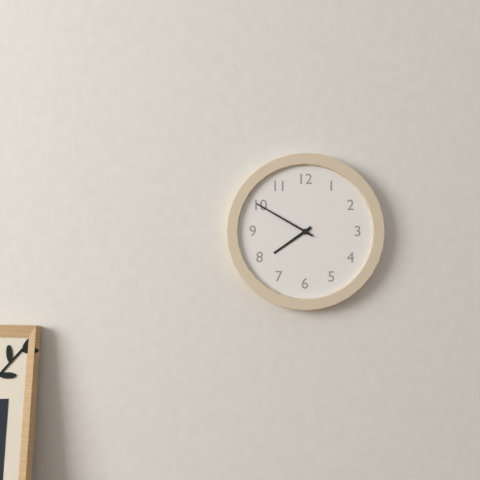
7:50
